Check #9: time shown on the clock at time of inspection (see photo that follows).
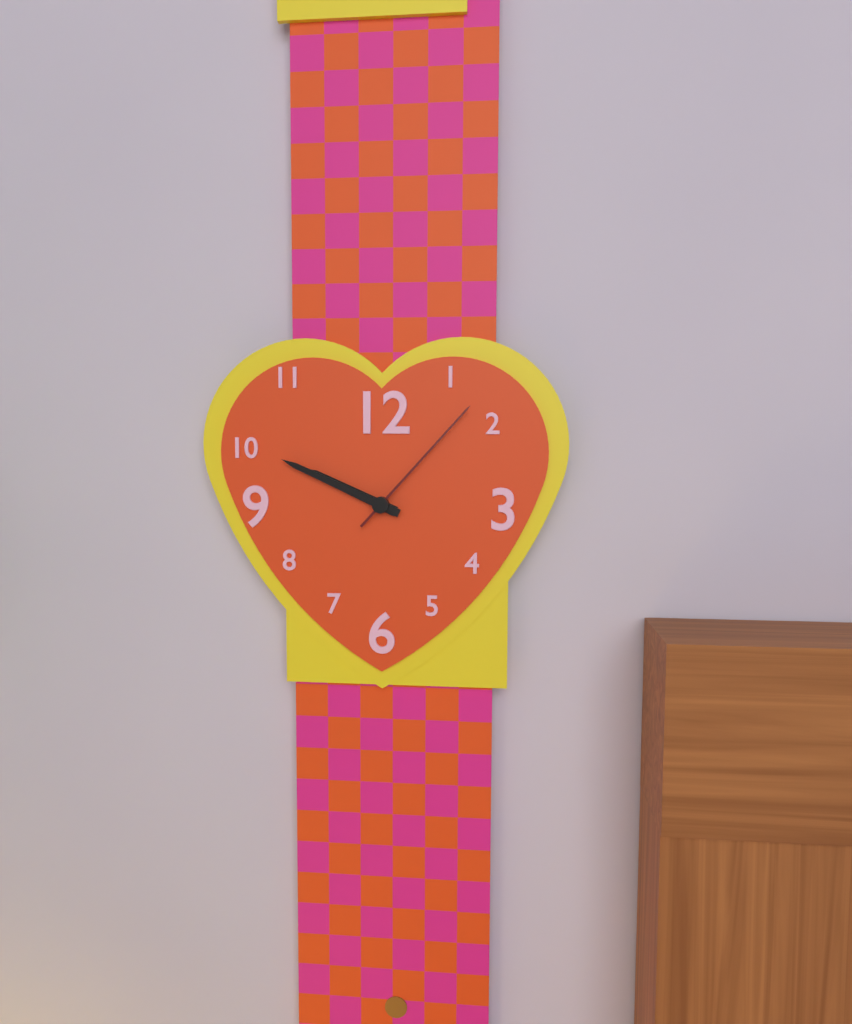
9:49:07
